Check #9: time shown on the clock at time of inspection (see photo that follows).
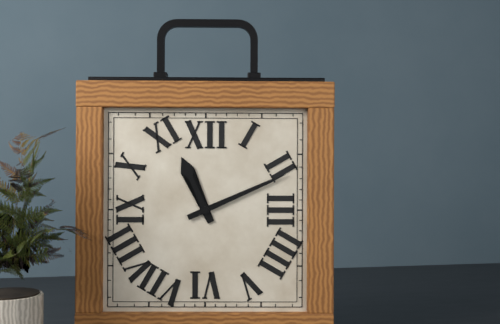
11:11
